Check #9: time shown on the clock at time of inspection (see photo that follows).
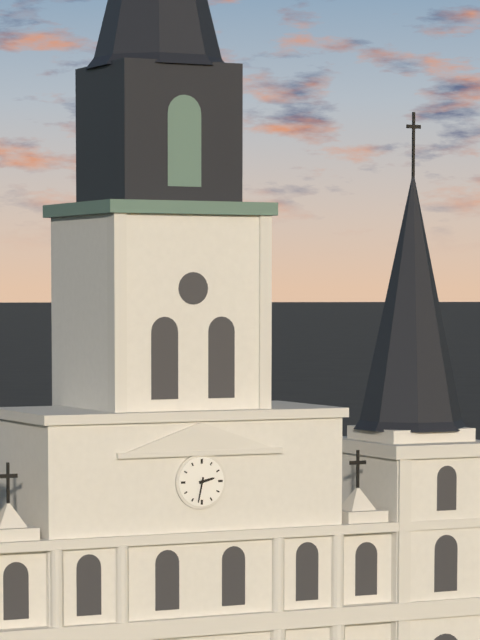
2:32
